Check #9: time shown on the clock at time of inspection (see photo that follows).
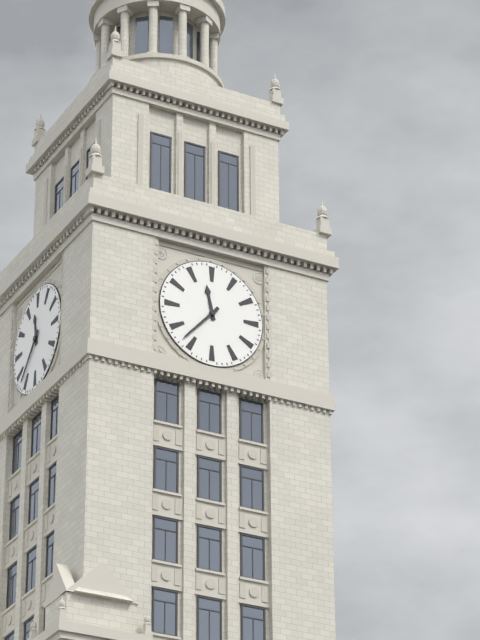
11:37
